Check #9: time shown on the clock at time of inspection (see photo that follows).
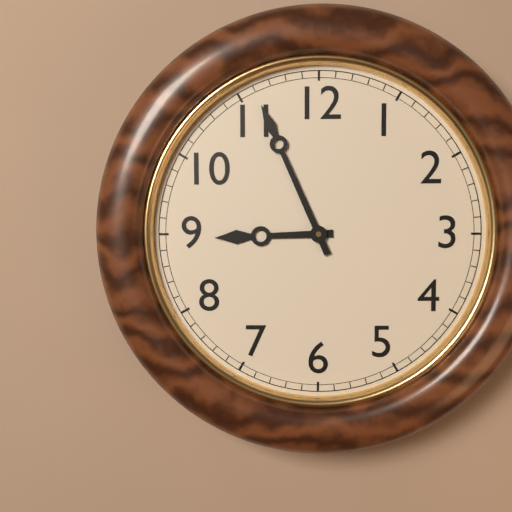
8:56
